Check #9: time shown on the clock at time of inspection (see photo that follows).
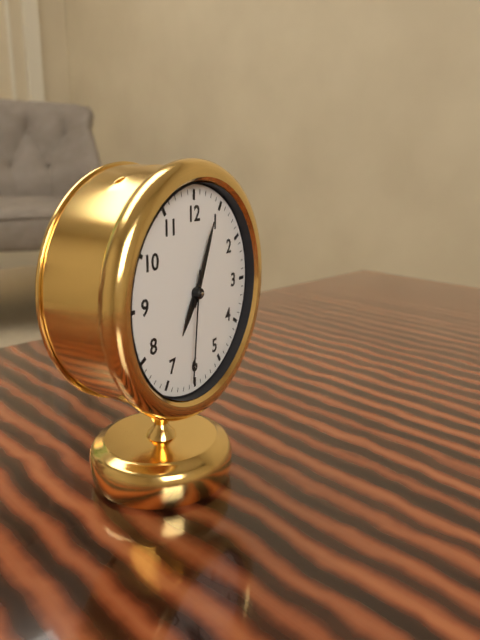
7:04:31
